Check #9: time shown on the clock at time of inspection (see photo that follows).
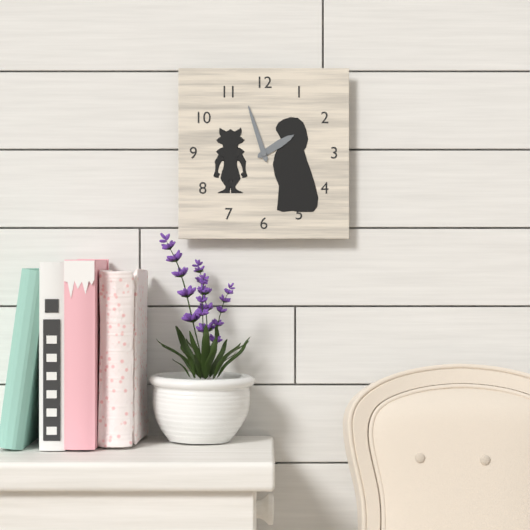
1:57
